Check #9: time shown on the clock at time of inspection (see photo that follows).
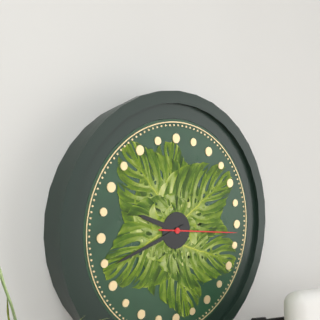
9:42:16
